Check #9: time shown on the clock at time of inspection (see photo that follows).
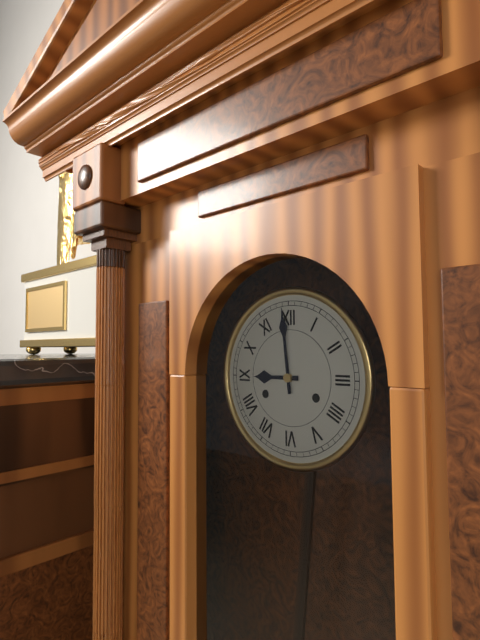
8:59
